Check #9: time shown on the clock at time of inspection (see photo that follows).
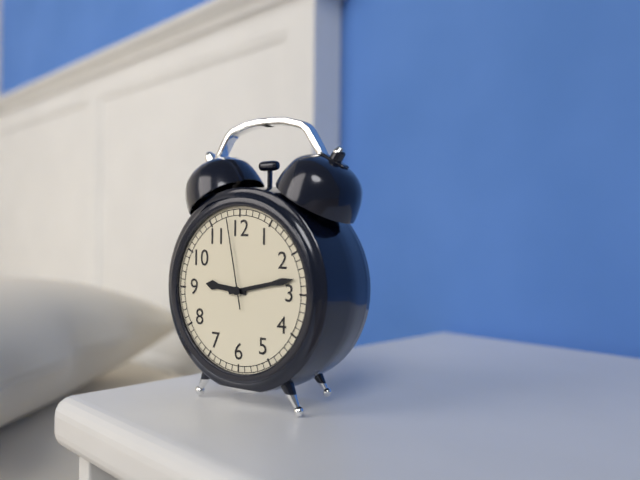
9:13:58
